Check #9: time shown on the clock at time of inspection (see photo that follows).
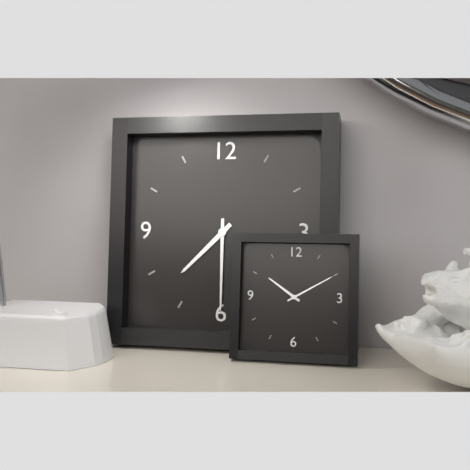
7:30
